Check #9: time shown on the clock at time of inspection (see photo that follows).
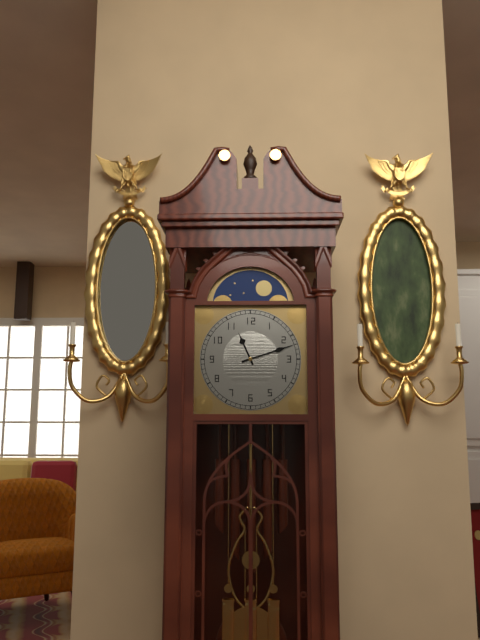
11:12
